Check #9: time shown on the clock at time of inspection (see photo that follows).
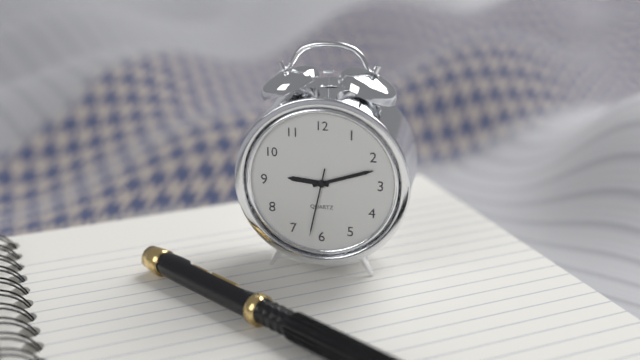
9:12:32
